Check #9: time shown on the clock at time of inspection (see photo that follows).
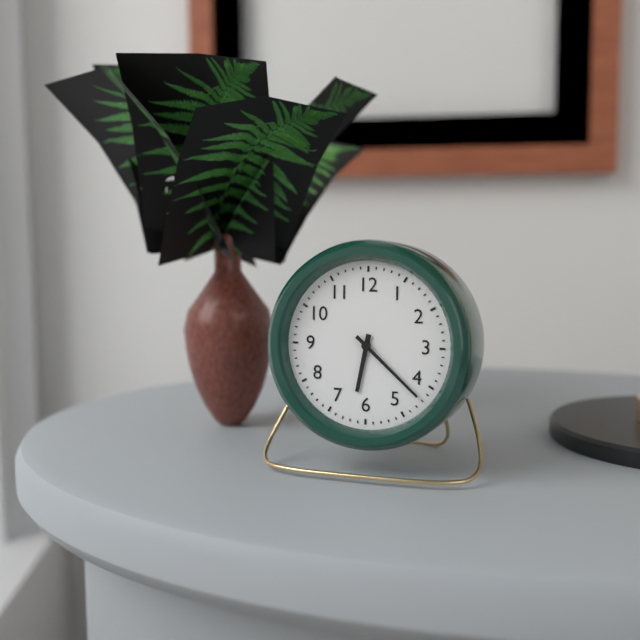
6:22
